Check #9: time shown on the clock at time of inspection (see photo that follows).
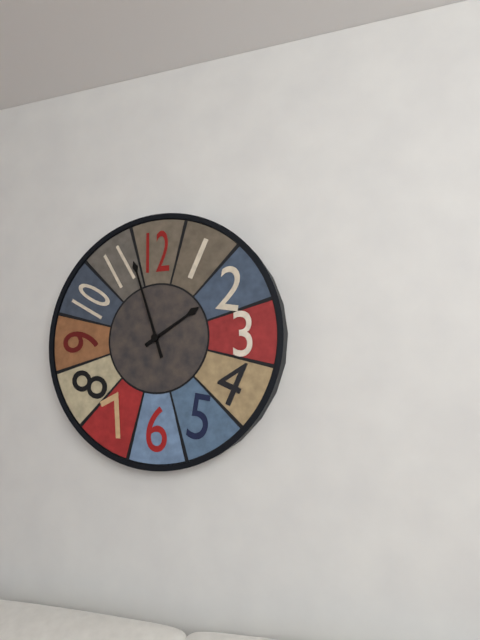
1:57
